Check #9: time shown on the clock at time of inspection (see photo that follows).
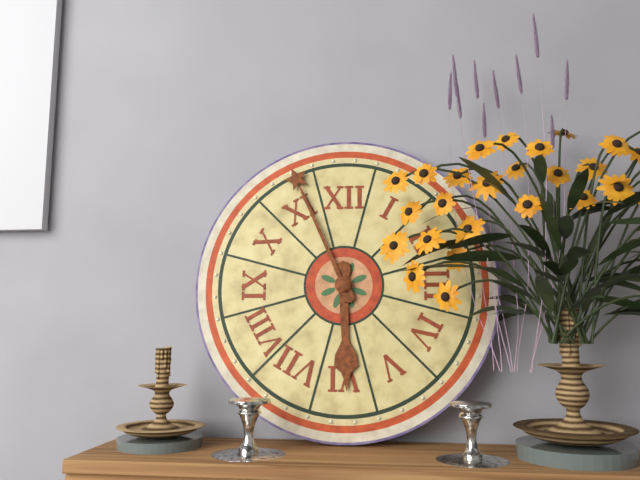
5:56
